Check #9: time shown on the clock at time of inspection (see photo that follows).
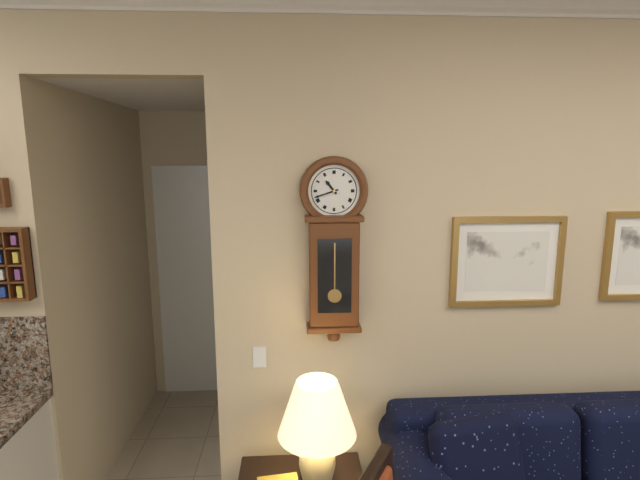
10:42
